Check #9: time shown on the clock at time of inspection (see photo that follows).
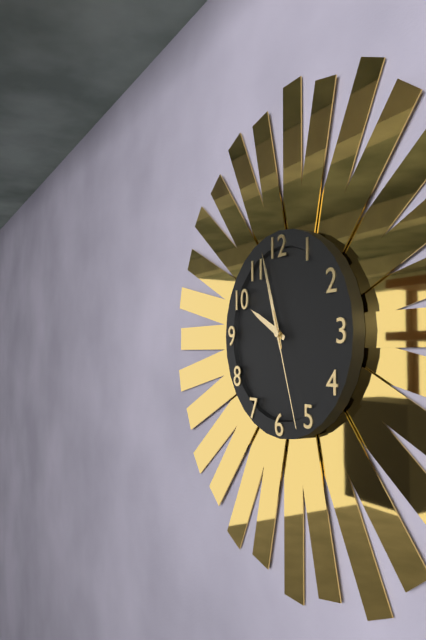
9:57:27
